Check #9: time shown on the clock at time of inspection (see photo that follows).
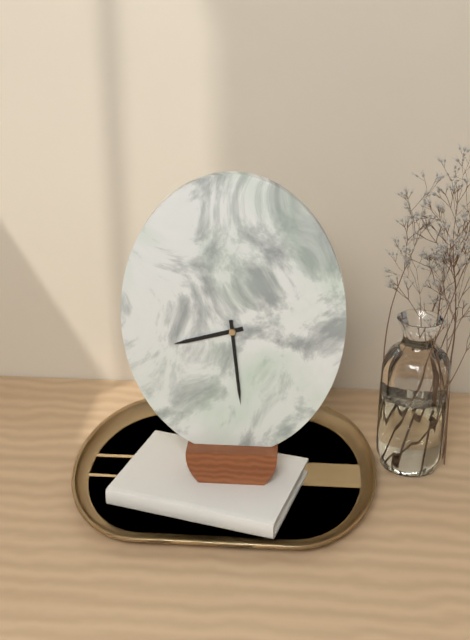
8:29
